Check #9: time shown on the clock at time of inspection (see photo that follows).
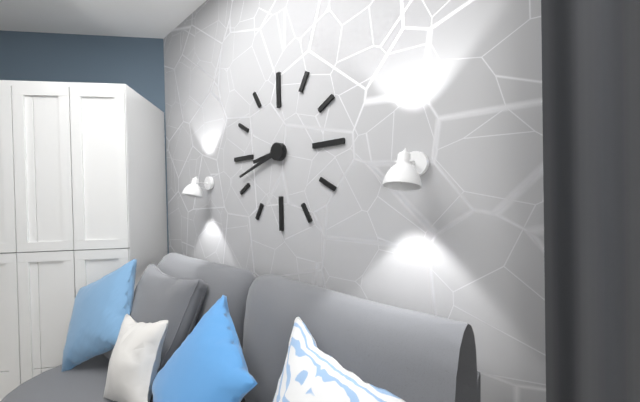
8:42
